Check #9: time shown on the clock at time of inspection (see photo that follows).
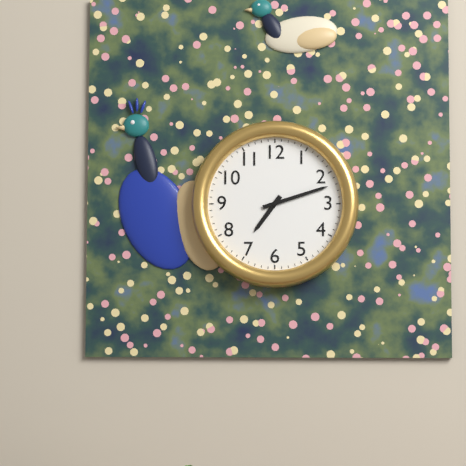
7:12
